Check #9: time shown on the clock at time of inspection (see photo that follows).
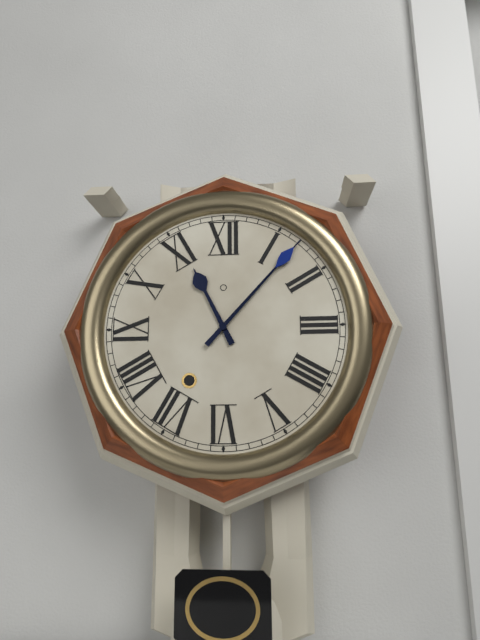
11:07
